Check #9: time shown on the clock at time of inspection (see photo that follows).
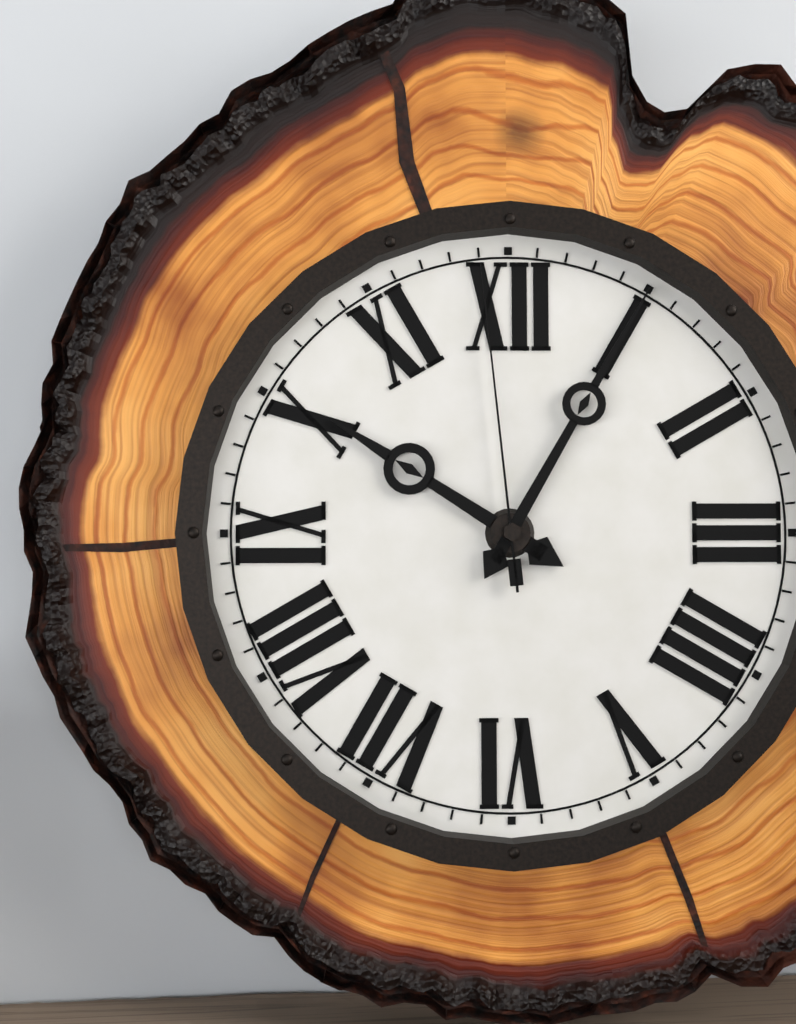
10:05:59
